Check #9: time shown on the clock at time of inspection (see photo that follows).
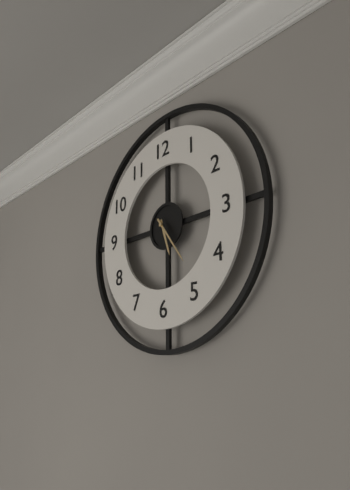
5:24
